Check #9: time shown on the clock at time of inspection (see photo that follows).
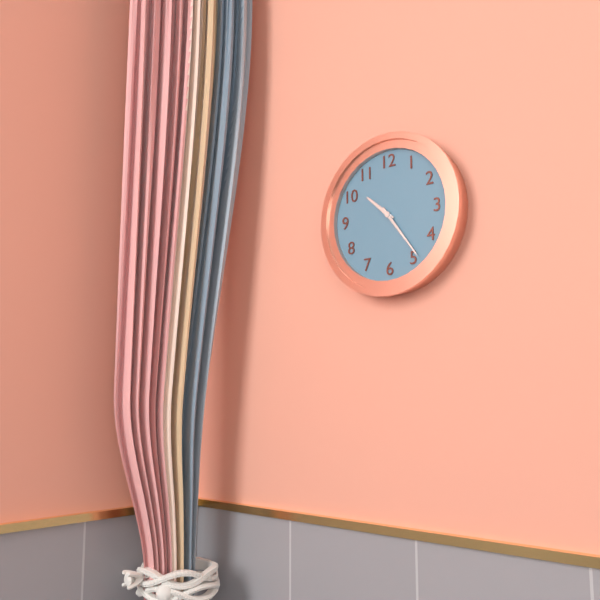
10:24
